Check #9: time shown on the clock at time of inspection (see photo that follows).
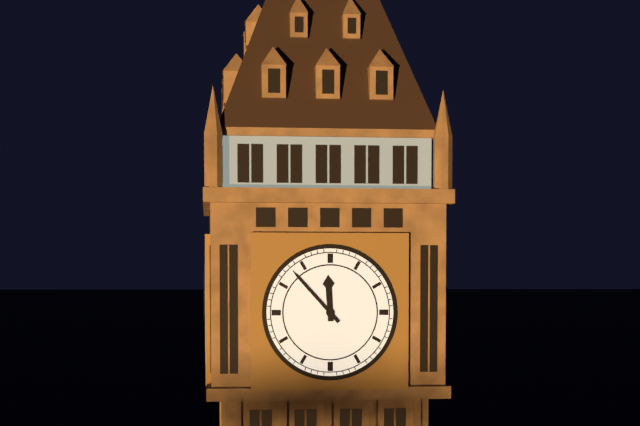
11:53
